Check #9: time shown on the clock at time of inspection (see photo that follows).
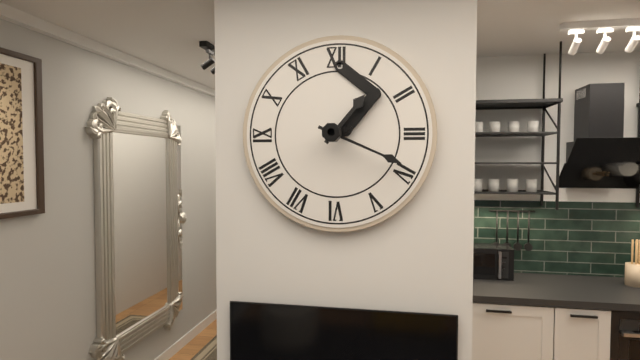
1:19
